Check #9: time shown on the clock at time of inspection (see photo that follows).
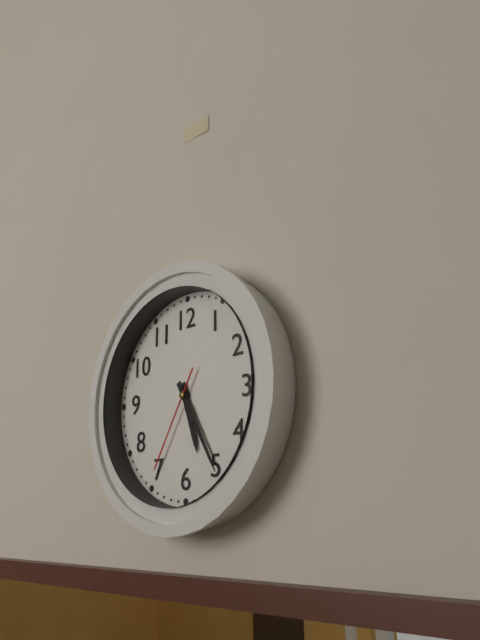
5:25:35
